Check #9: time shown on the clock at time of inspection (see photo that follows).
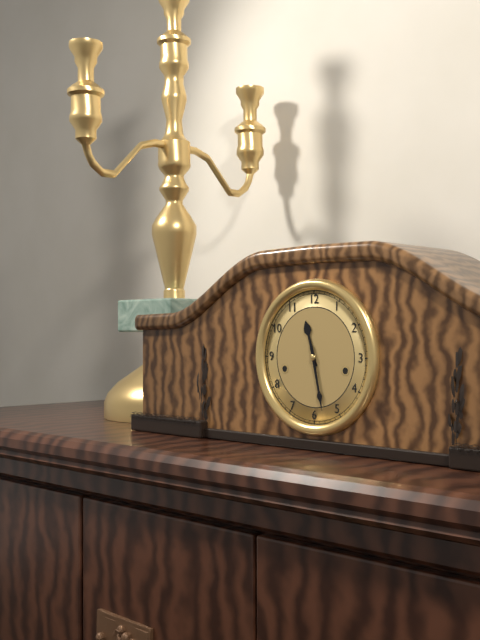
11:28
